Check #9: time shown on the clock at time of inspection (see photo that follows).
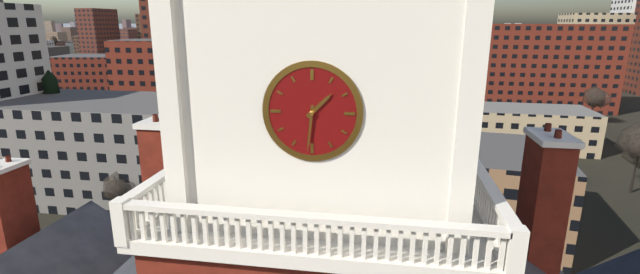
1:31
